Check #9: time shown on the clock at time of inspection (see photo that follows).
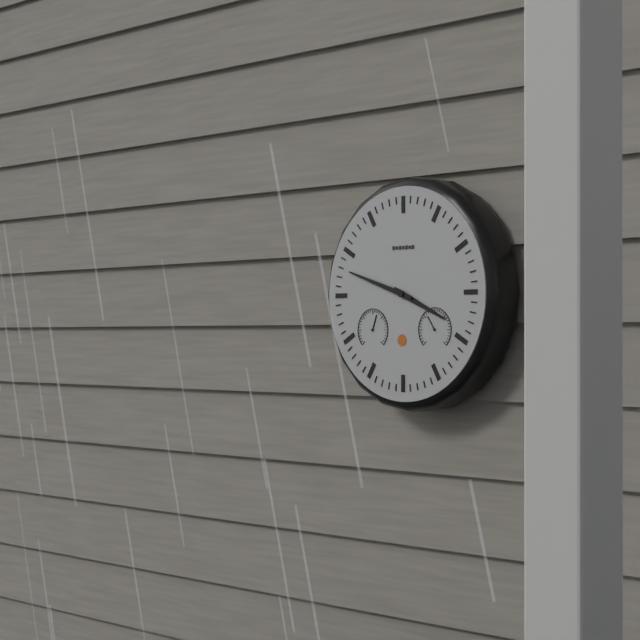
3:48
